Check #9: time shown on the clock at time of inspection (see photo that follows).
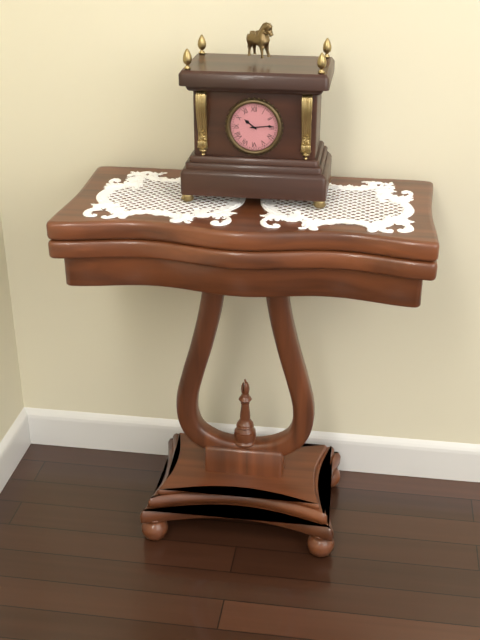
10:14
